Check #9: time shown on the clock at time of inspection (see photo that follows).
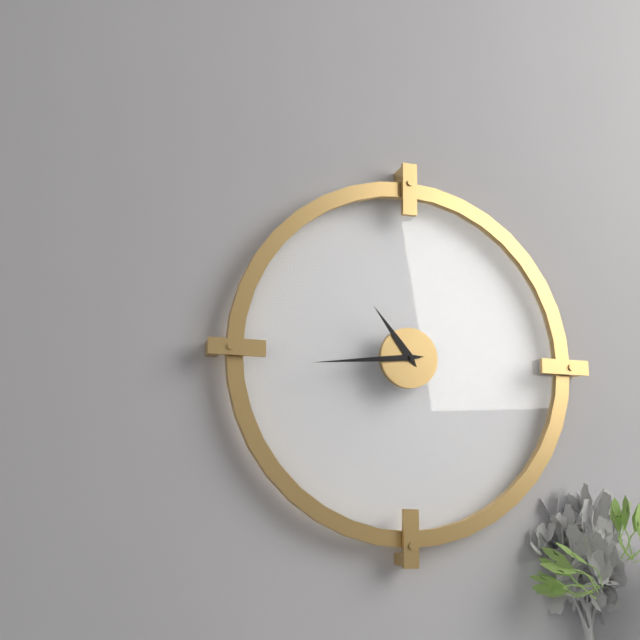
10:44
